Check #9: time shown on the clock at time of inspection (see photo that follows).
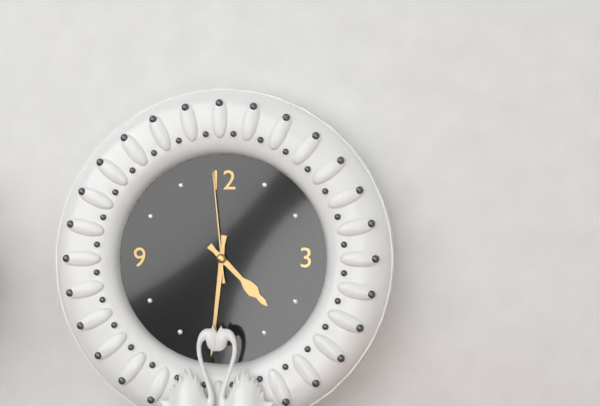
4:31:59
